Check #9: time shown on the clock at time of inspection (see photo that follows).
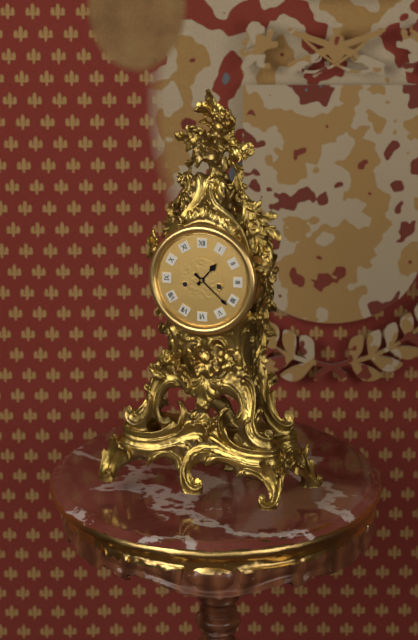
1:22
